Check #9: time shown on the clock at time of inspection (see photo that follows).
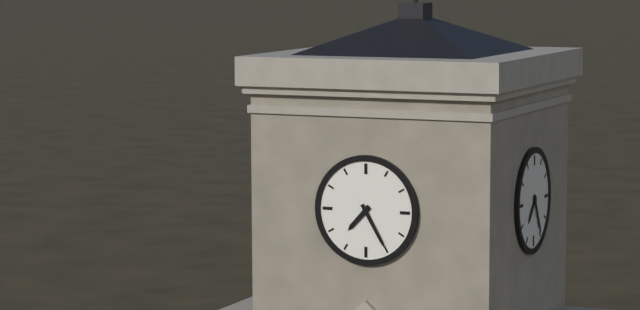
7:25
